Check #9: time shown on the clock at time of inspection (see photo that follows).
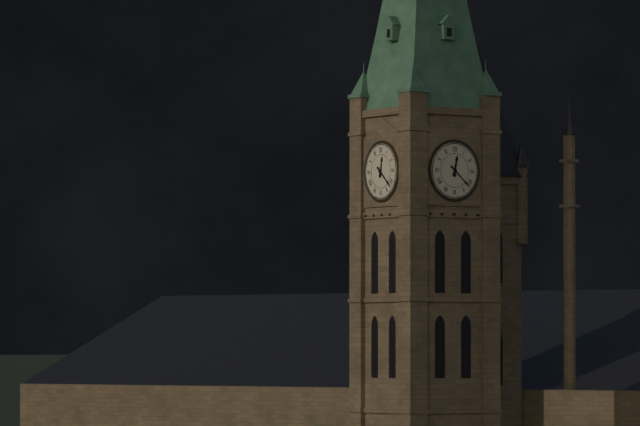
12:22
